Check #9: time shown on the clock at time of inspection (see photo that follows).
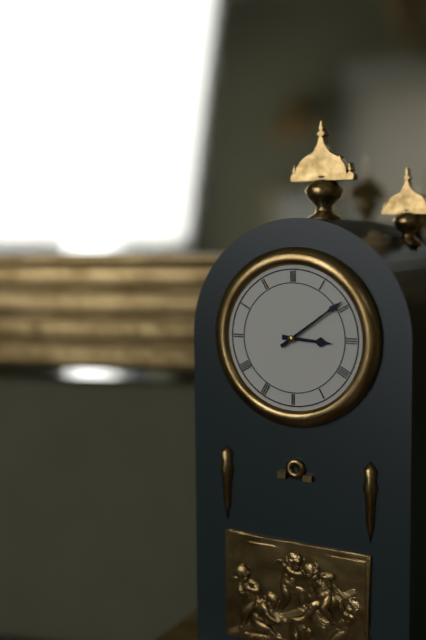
3:09
